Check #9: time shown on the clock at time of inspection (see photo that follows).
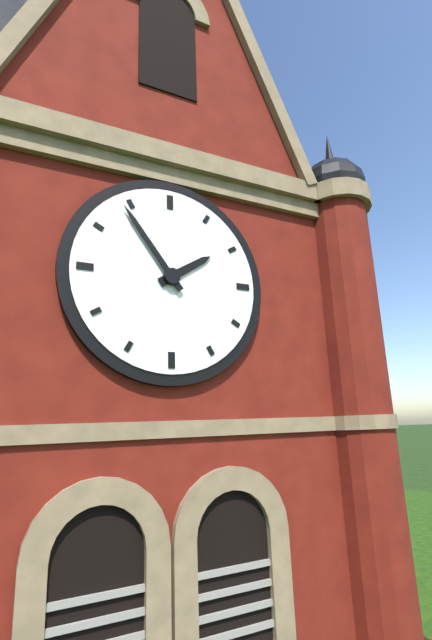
1:54
